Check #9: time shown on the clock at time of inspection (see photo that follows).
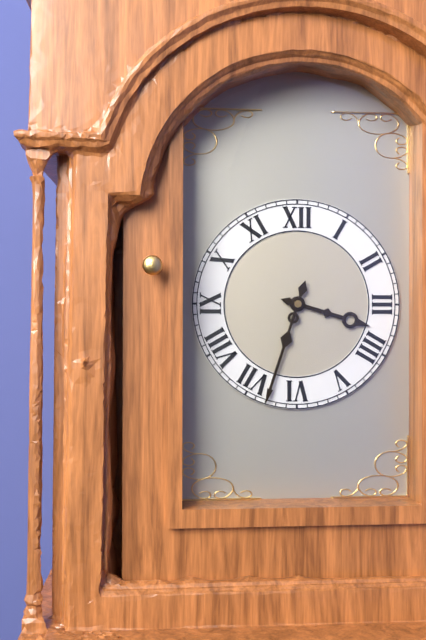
3:33
